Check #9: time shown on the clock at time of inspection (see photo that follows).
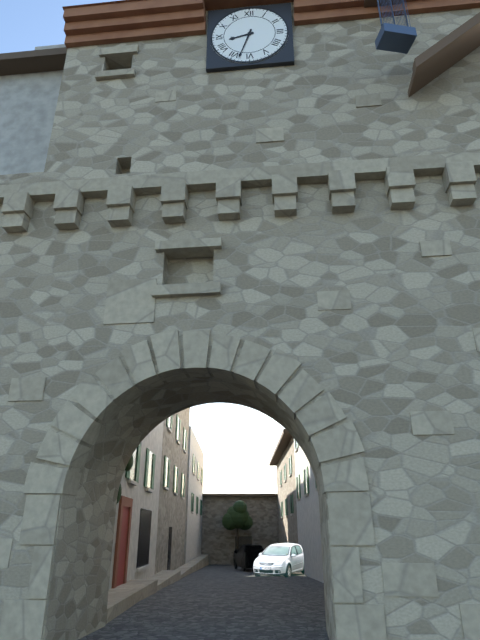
8:33
